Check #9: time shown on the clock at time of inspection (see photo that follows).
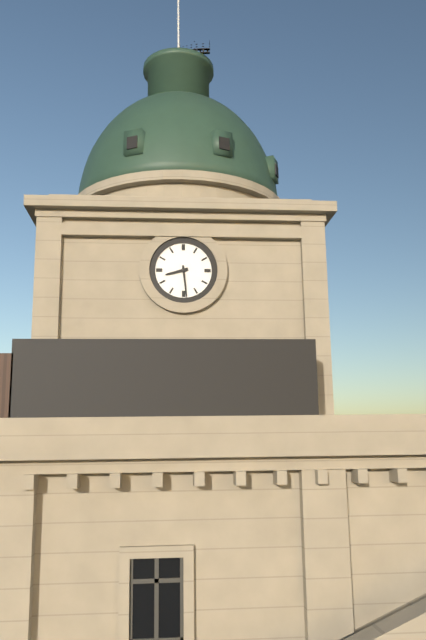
8:29
